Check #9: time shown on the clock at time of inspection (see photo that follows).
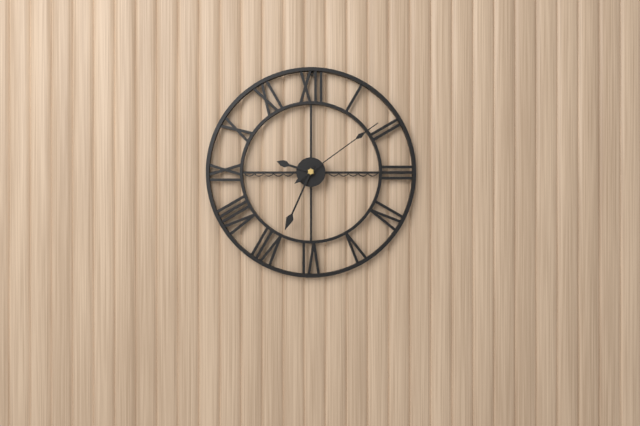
9:34:09
